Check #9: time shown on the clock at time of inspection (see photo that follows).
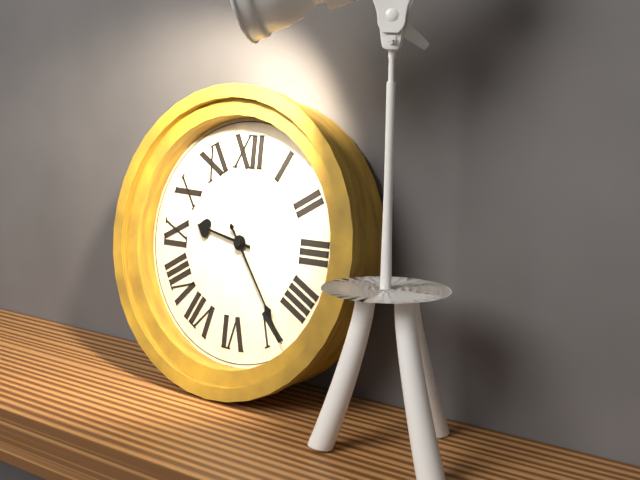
9:24
